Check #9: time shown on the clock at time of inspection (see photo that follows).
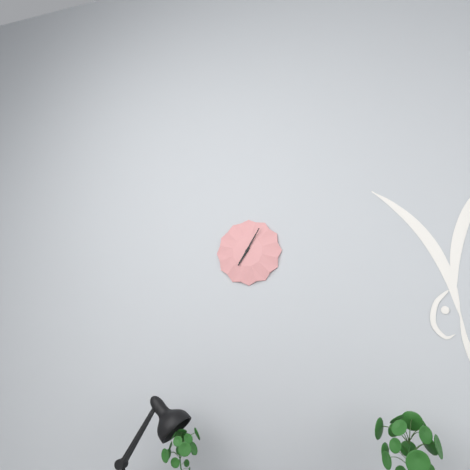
7:05
